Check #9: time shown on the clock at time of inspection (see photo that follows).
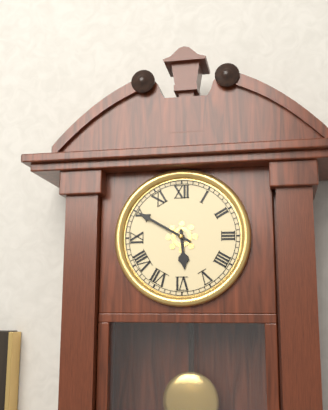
5:50
